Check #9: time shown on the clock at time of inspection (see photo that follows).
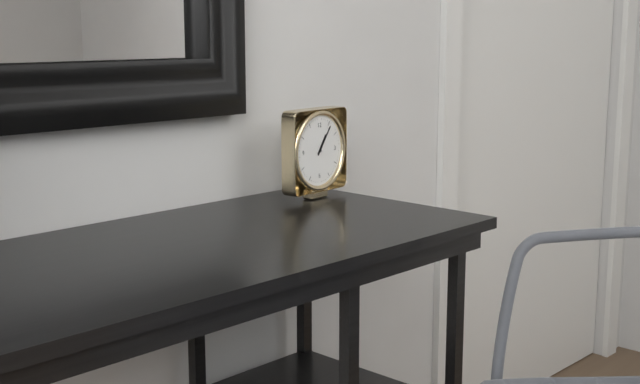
1:06
